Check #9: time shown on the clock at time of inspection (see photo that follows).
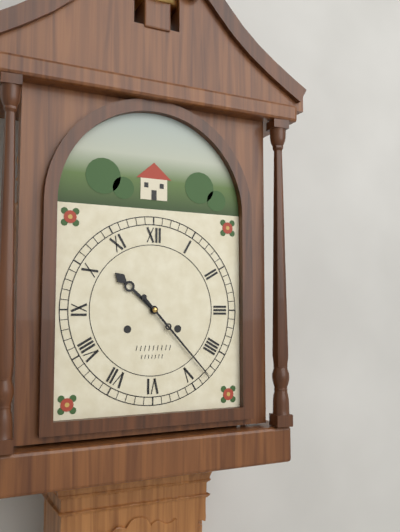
10:23
